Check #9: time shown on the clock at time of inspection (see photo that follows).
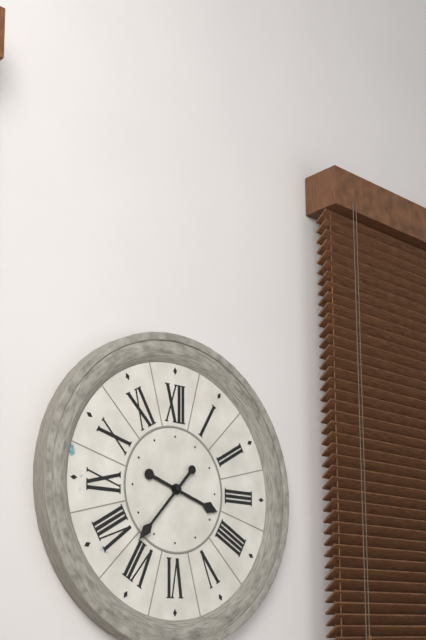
3:37
